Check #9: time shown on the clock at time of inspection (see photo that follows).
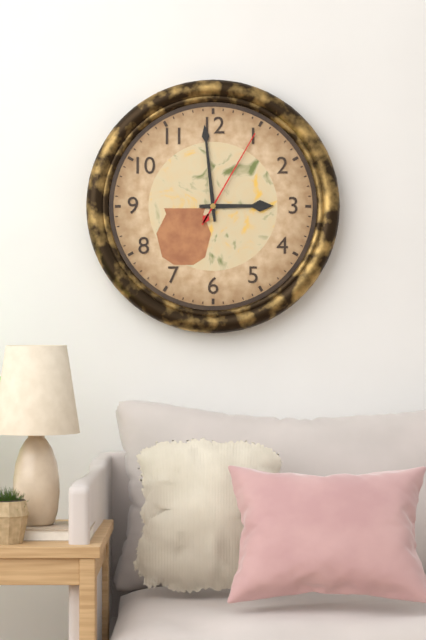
2:59:05
